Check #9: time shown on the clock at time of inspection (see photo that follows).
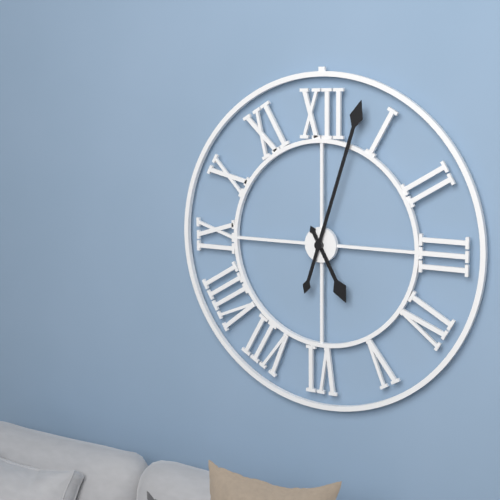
5:03
